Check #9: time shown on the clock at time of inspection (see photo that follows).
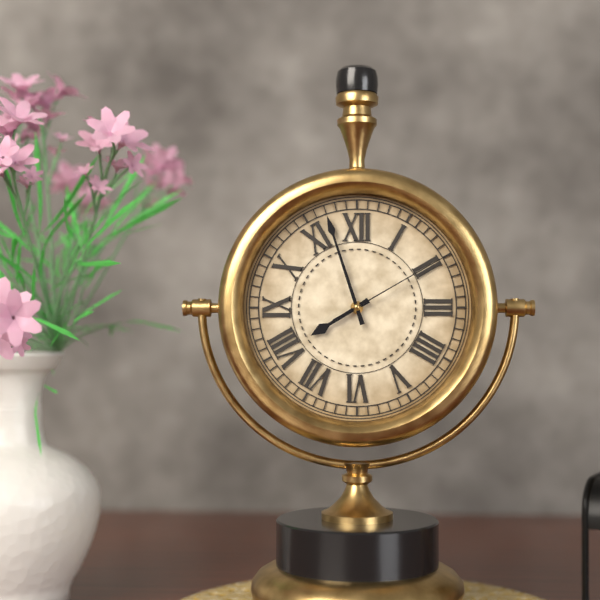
7:57:10
